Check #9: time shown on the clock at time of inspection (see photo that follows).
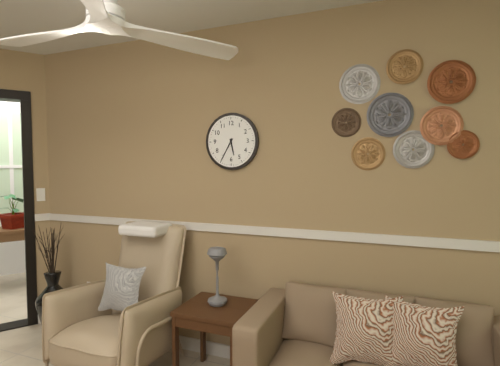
5:35
